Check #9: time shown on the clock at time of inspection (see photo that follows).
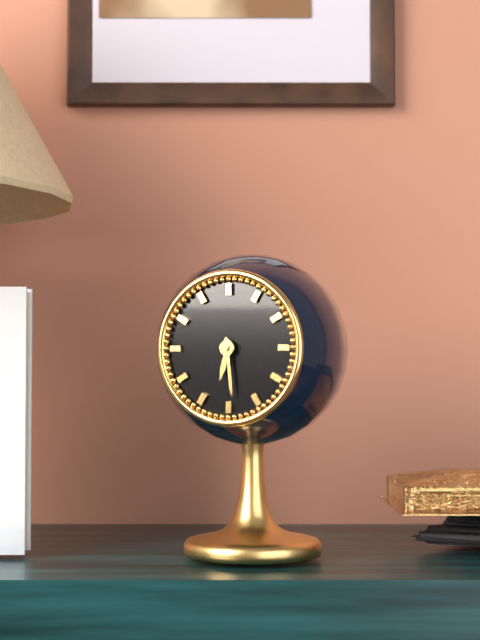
6:29
